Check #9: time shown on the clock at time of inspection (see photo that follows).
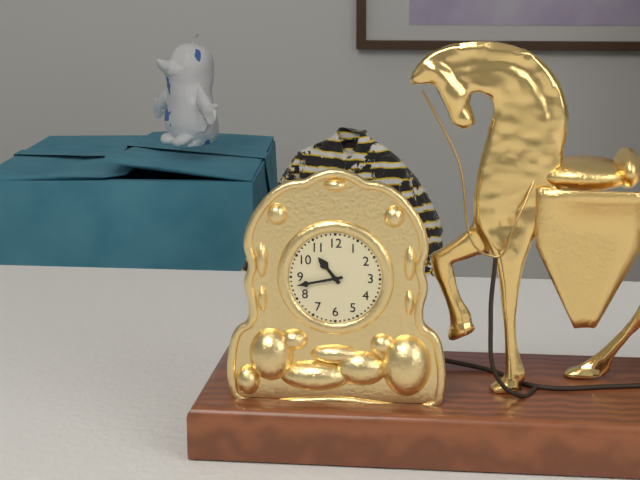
10:43
